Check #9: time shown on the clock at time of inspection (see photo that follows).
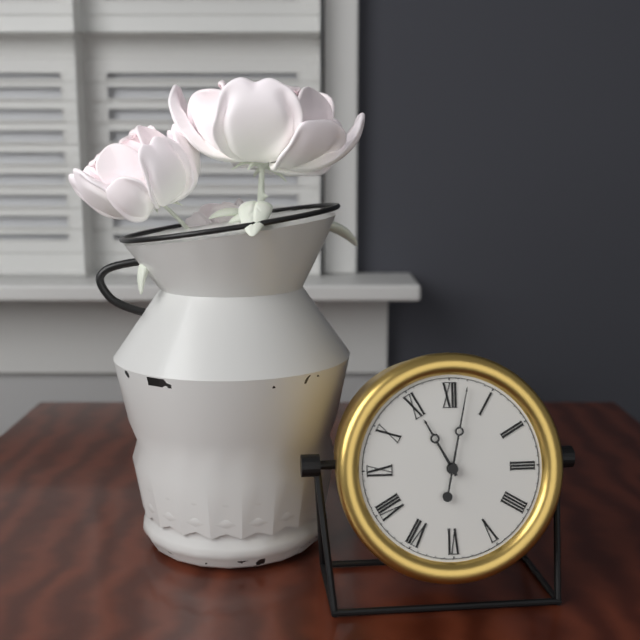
11:02
